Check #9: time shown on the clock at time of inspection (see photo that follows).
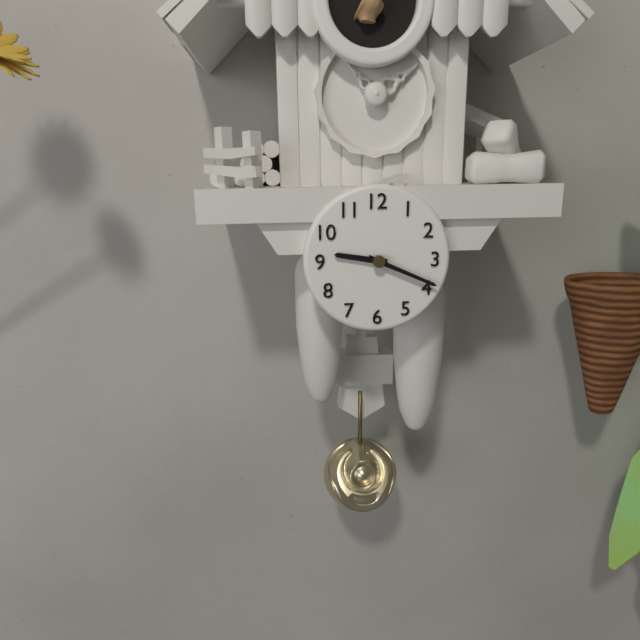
9:19
